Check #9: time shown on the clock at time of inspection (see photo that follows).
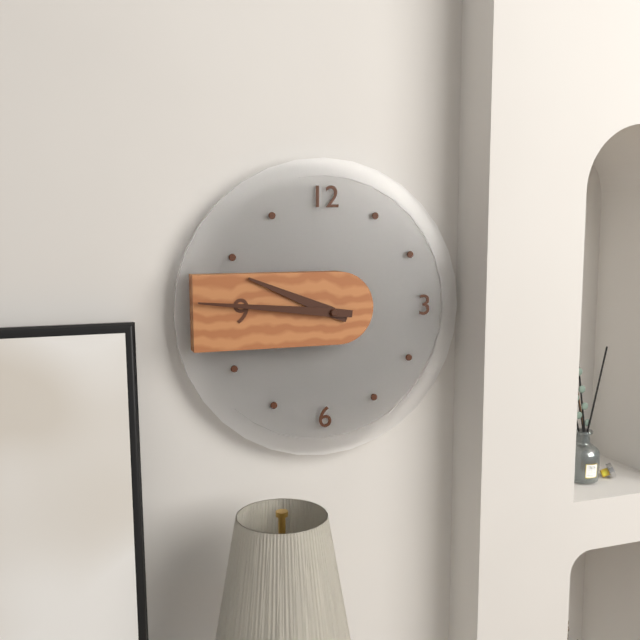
9:46
